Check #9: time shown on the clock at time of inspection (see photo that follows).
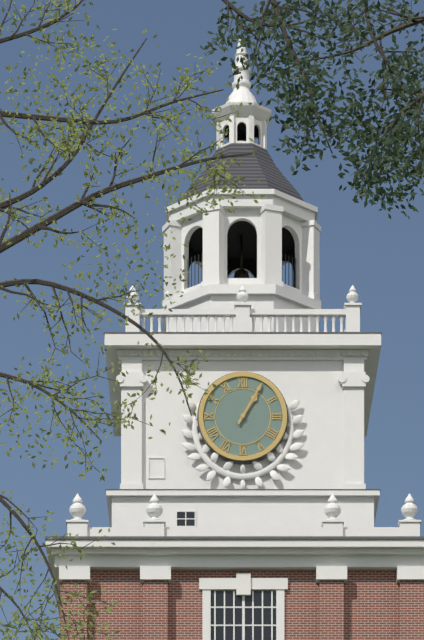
1:05
